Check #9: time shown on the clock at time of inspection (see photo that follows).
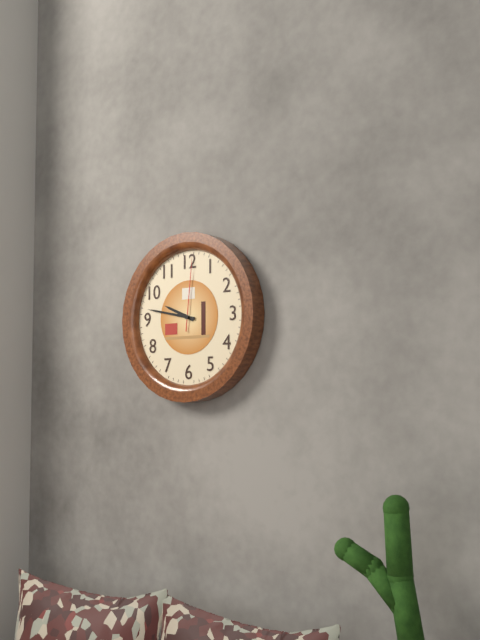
9:47:01
